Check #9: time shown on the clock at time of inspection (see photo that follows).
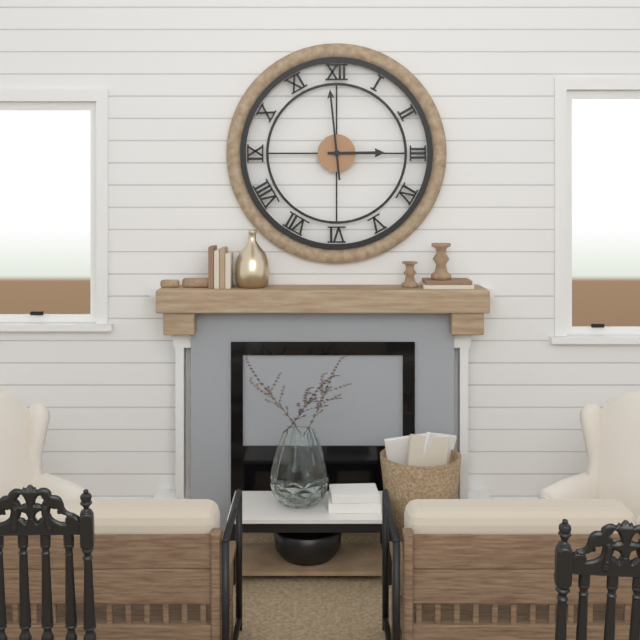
2:59
